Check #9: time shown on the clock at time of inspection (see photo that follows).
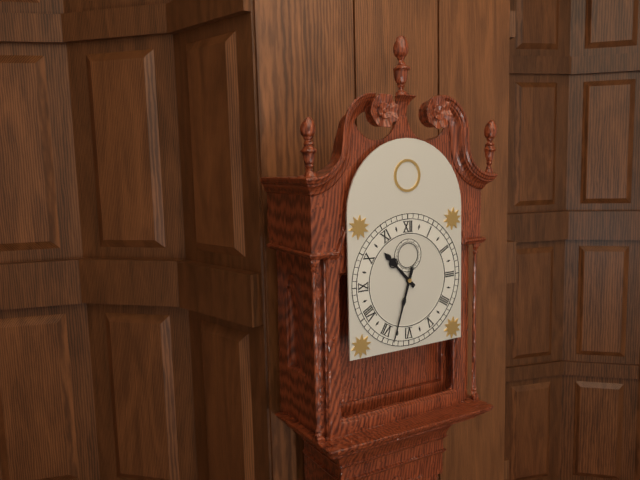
10:33
